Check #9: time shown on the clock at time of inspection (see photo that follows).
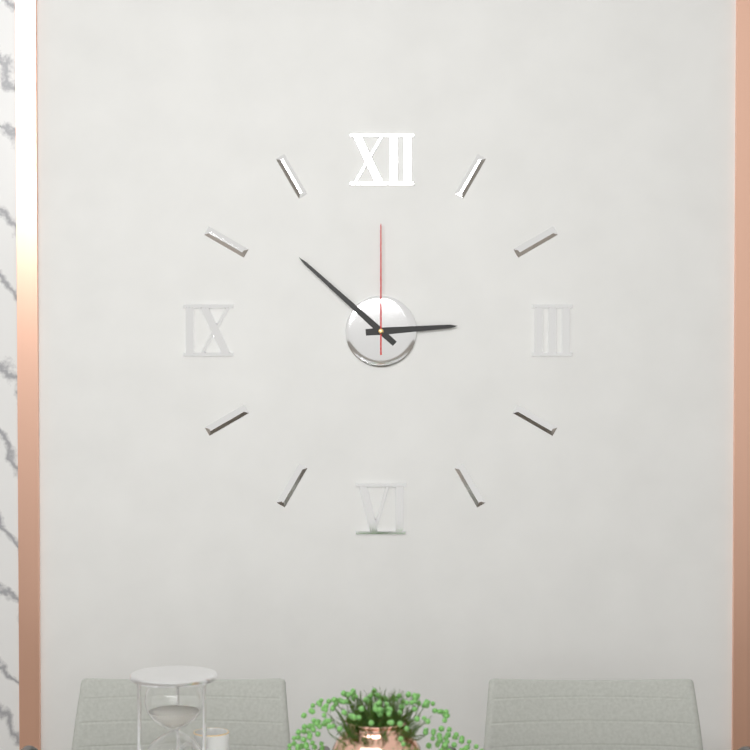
2:52:00
